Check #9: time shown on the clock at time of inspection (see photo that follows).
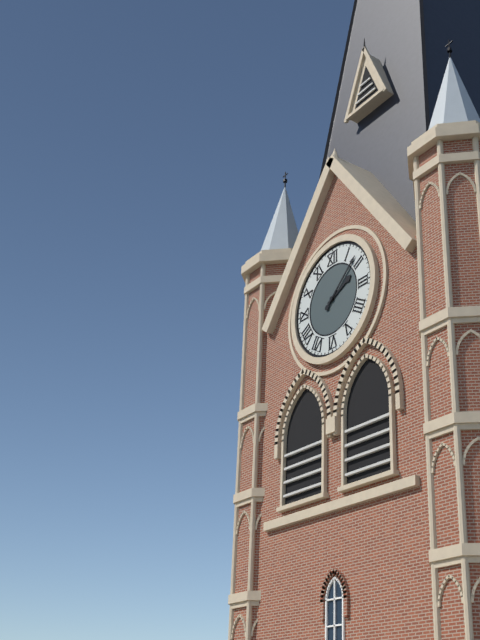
2:08
